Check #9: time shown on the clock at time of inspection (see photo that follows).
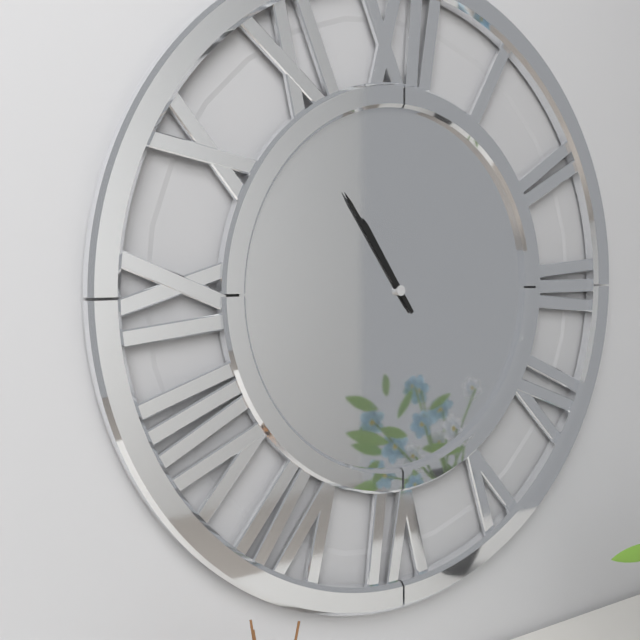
10:54
